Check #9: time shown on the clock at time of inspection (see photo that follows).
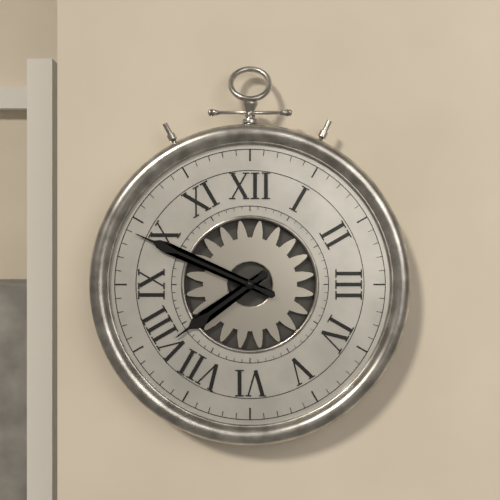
7:49
